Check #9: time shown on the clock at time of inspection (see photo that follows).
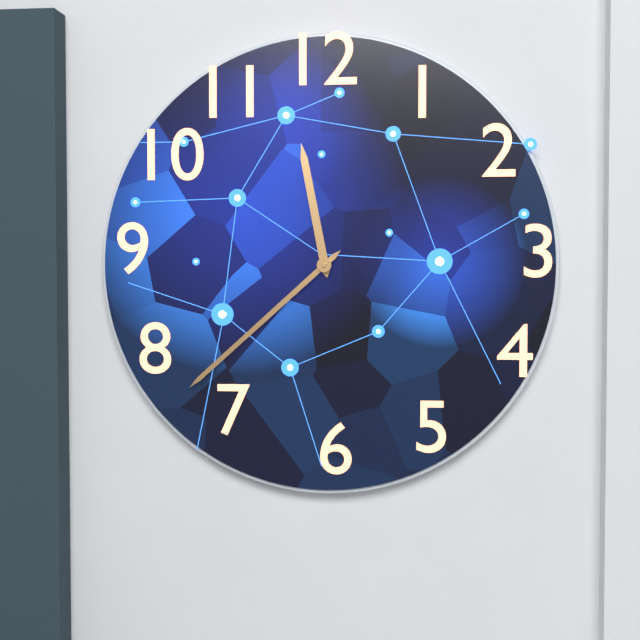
11:38
